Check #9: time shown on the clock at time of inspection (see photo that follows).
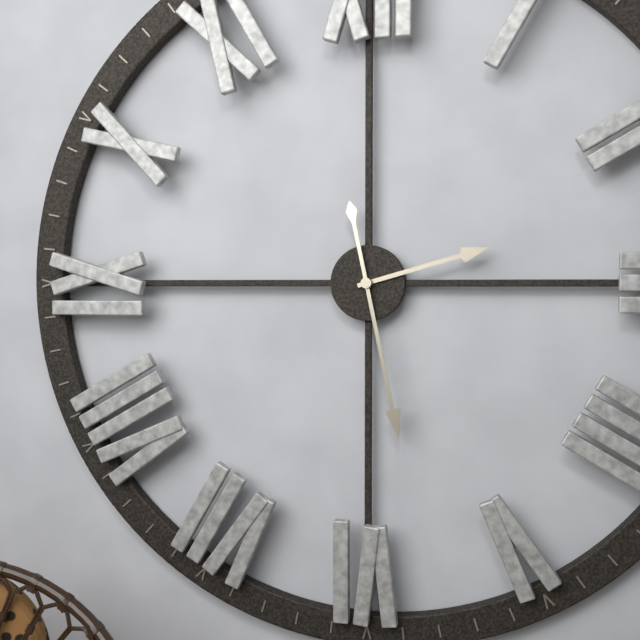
2:28
